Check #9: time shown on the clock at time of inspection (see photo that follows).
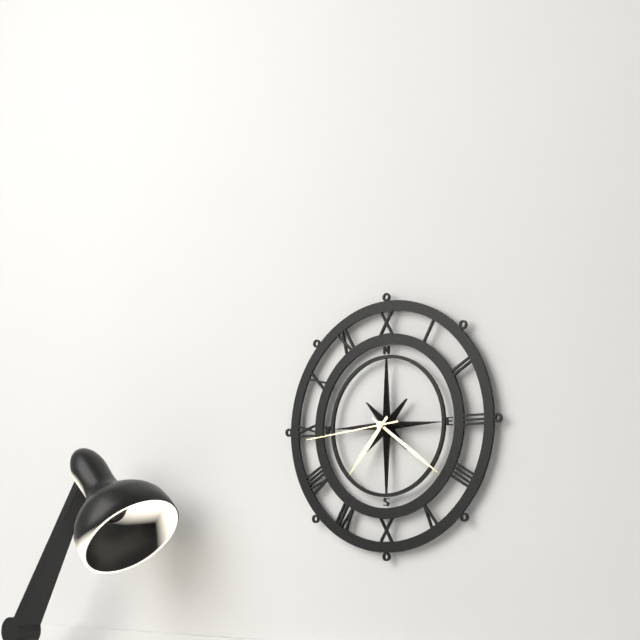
7:21:44
